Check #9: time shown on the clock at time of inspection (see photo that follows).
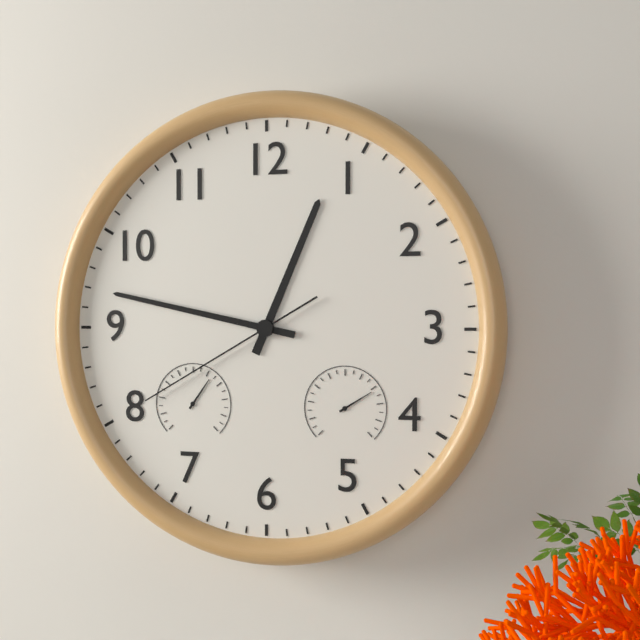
12:47:40
